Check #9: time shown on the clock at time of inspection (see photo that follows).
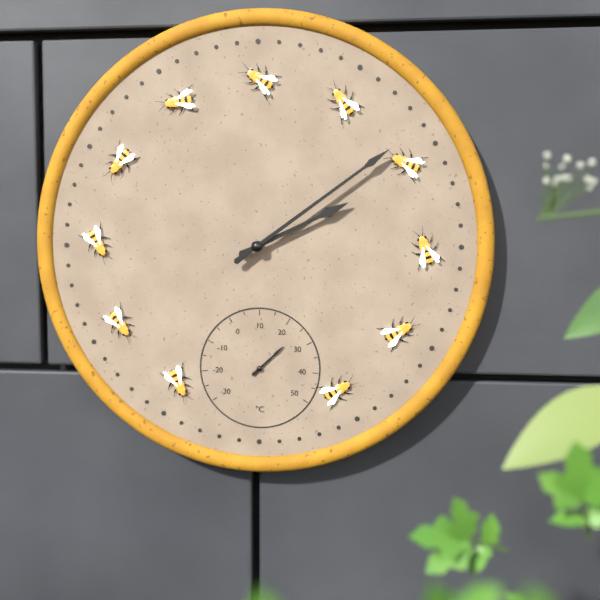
2:09
